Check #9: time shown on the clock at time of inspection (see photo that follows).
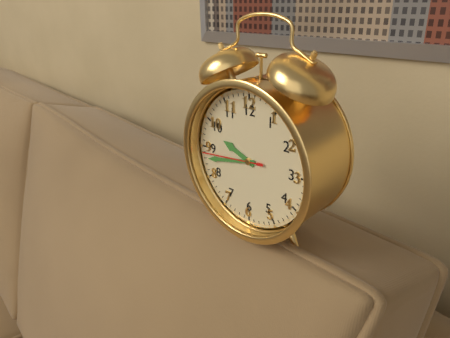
9:43:44
